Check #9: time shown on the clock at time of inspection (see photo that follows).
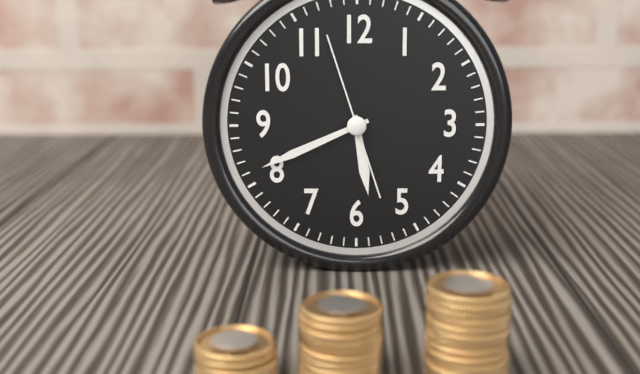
5:41:57
